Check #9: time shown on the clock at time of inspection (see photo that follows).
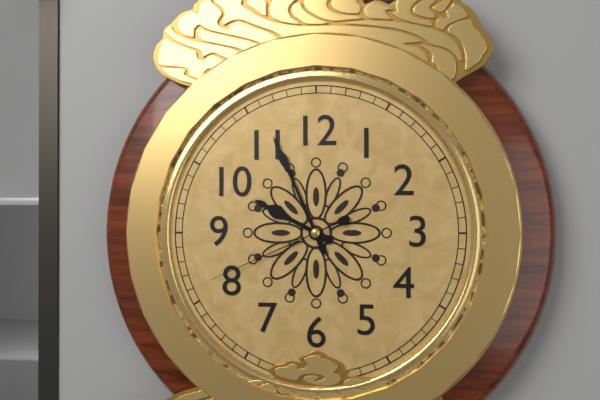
9:56:41
